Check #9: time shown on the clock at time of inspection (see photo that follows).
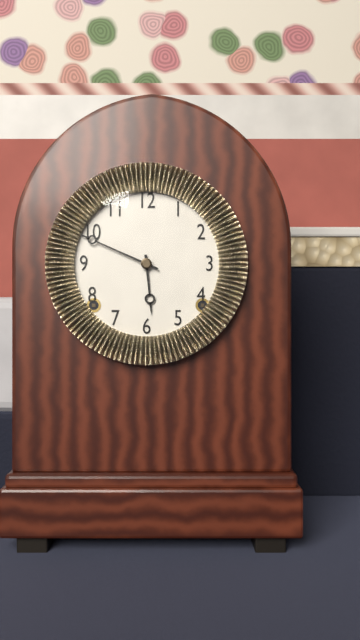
5:49
